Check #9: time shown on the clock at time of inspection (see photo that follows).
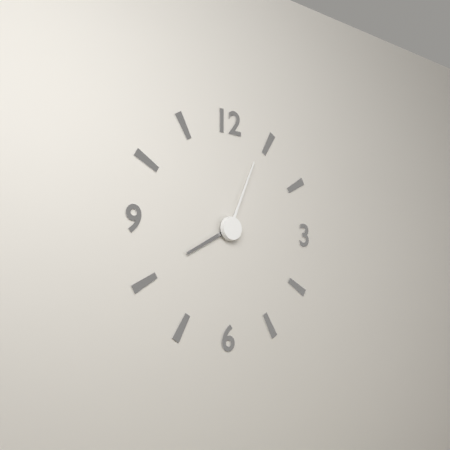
8:04
